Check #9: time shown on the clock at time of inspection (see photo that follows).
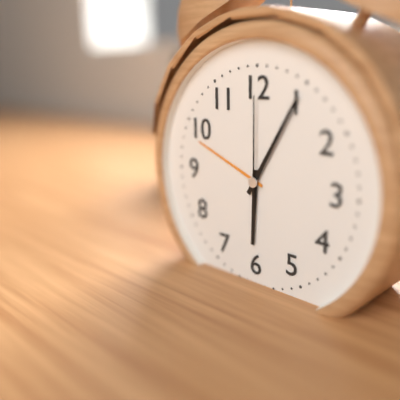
6:05:00
